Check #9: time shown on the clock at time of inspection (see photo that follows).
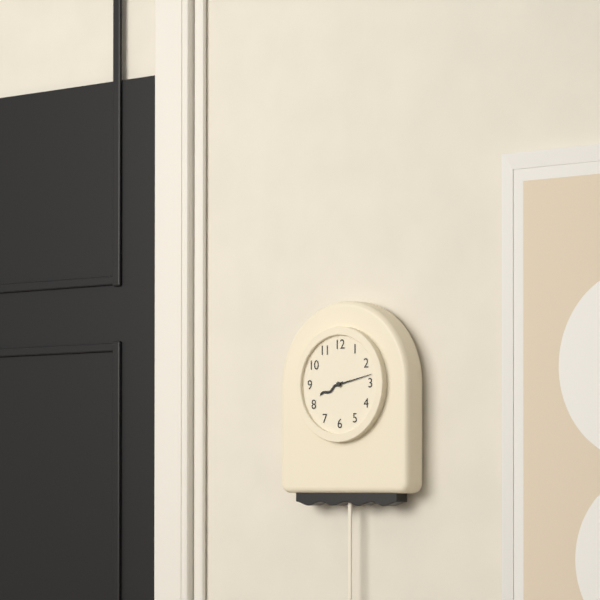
8:13
